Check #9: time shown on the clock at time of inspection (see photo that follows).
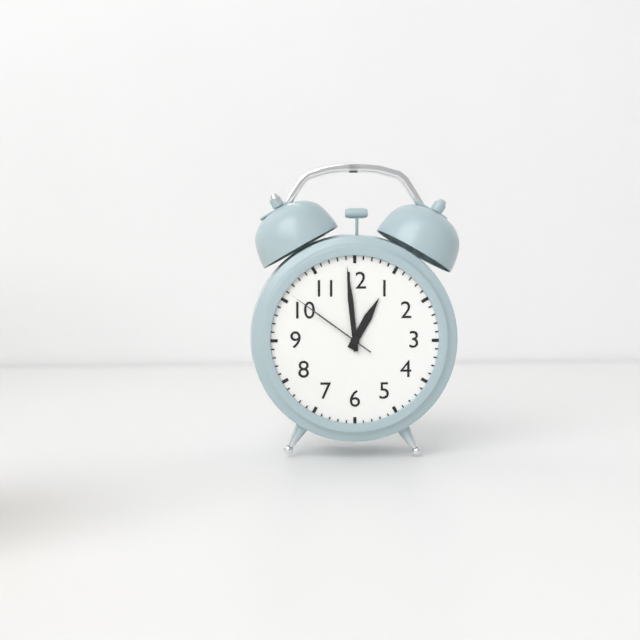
12:59:51
